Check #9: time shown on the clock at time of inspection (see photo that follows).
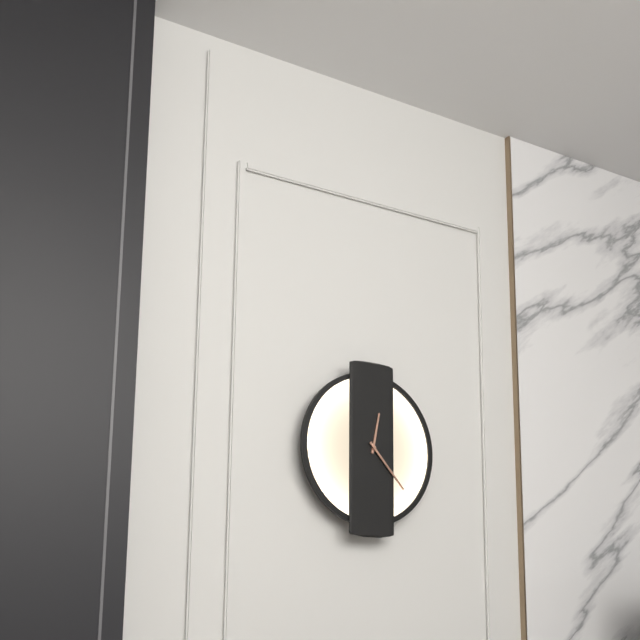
12:23
